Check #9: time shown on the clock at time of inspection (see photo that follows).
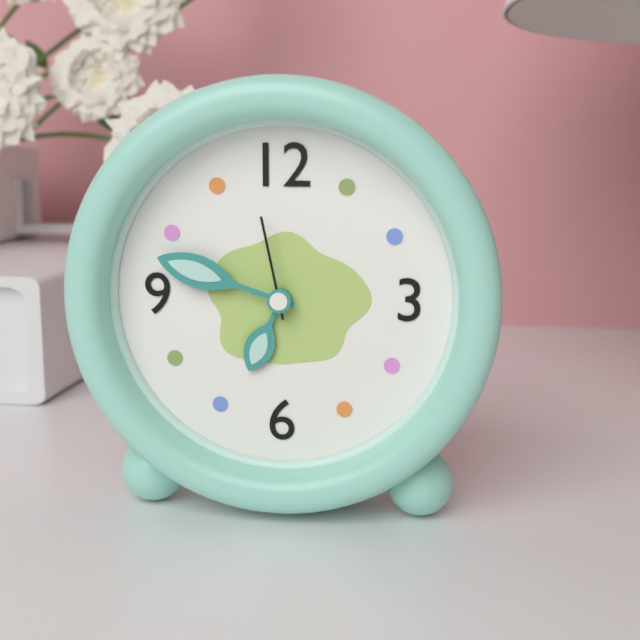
6:48:58
